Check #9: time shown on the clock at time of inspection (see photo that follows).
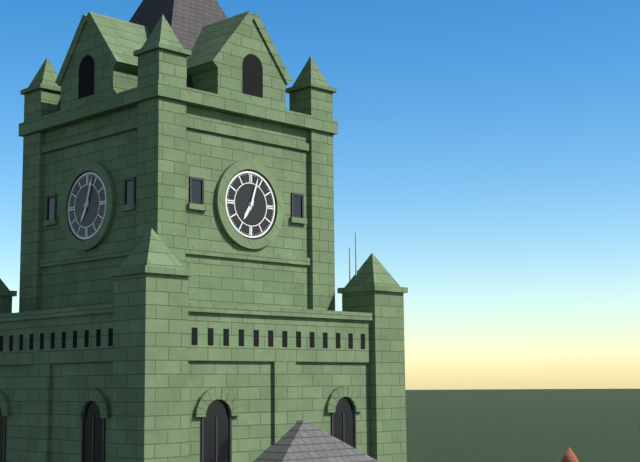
7:03
